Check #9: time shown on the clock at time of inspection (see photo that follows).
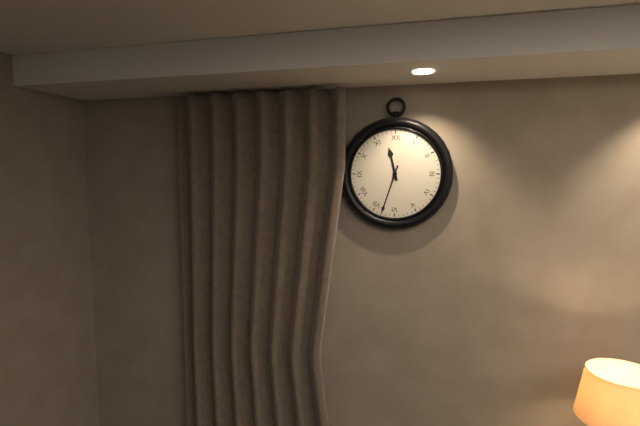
11:33
